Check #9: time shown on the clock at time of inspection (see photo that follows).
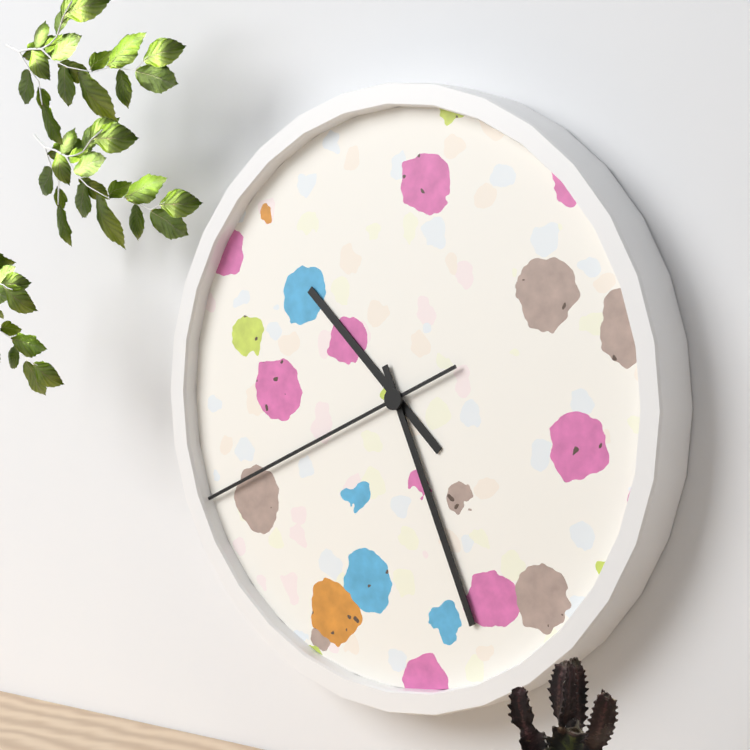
10:26:41
